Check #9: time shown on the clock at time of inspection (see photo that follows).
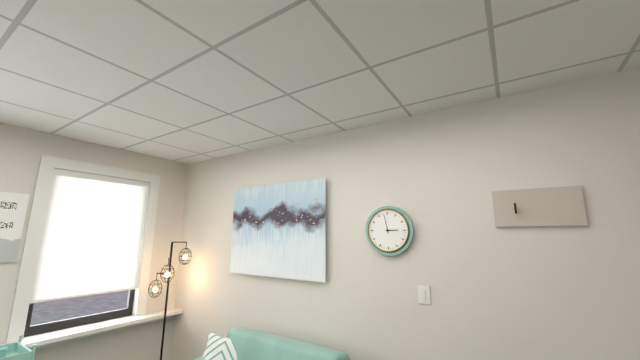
2:58
